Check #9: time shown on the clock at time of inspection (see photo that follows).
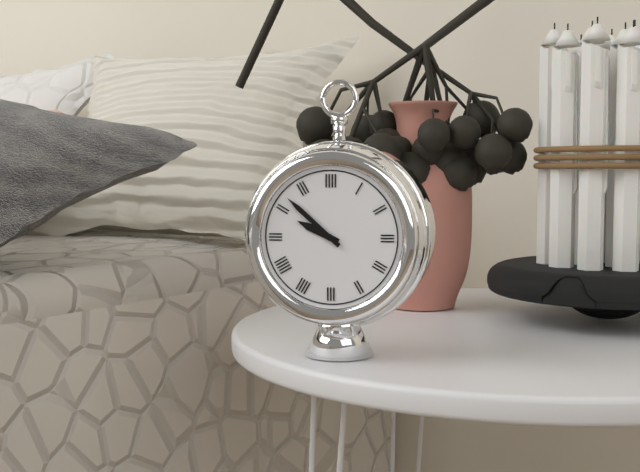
9:52
